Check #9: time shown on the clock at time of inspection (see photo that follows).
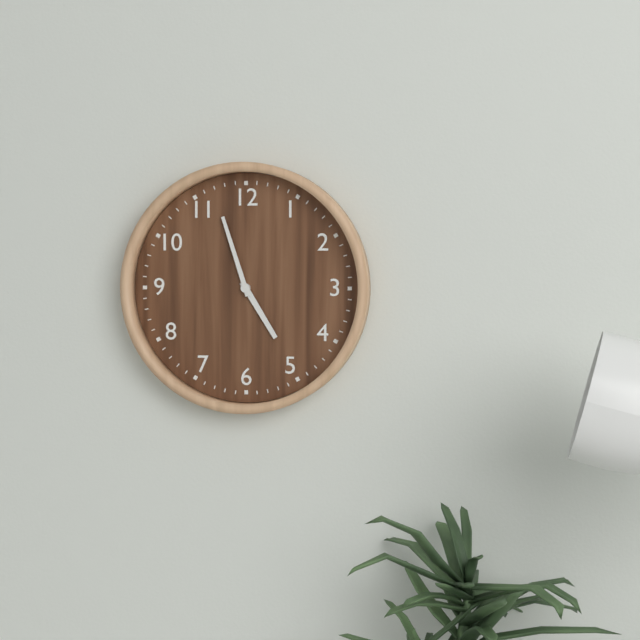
4:57
